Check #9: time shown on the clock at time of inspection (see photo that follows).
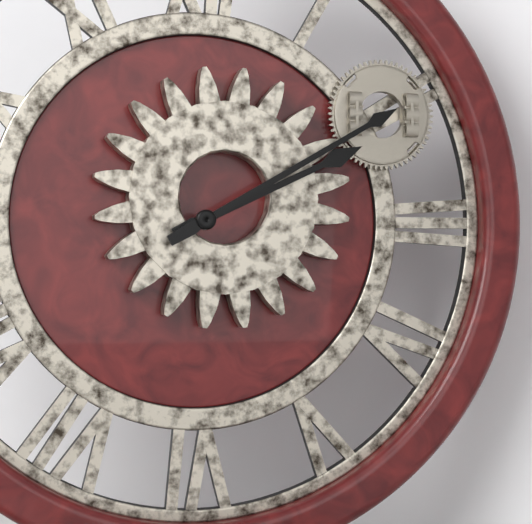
2:10
